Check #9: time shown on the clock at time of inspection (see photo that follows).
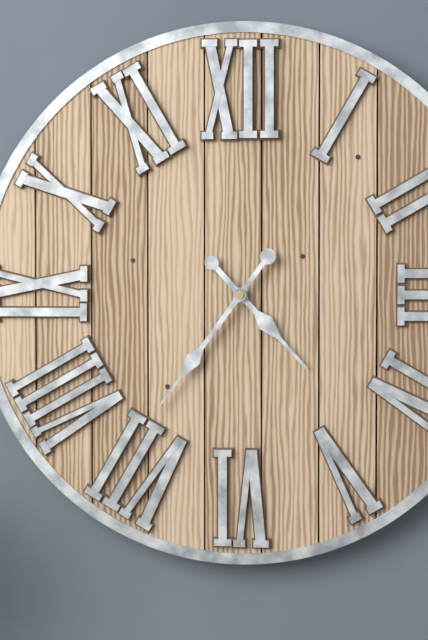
4:36
